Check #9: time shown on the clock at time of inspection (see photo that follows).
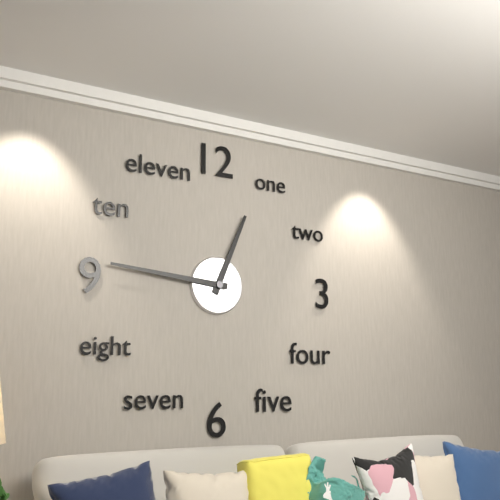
12:46
